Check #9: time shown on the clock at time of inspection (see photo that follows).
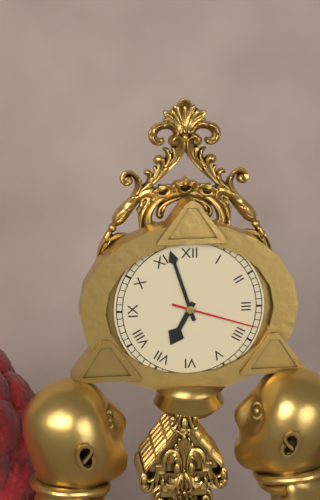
6:57:18
